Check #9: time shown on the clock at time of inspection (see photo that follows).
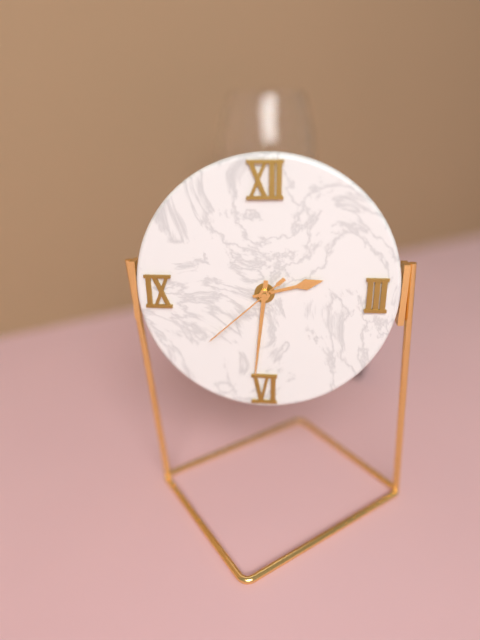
2:31:38
